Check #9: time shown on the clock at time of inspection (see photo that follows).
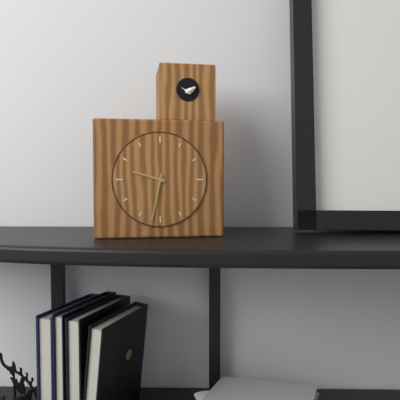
9:32
